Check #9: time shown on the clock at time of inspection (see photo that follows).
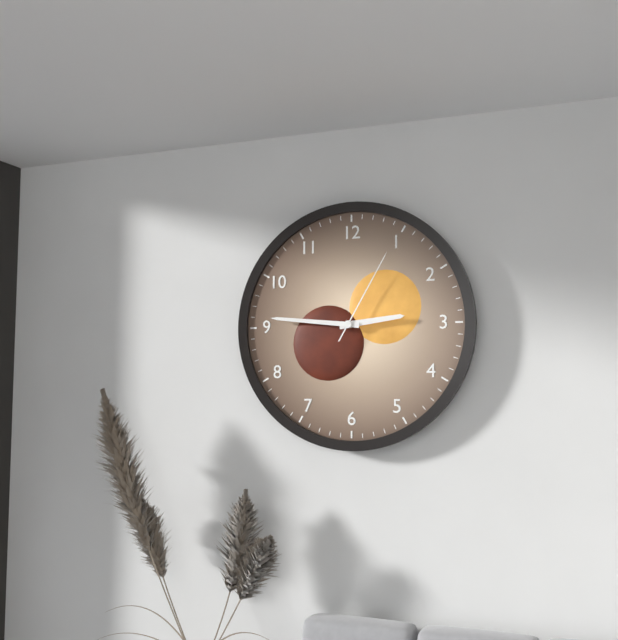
2:46:05
